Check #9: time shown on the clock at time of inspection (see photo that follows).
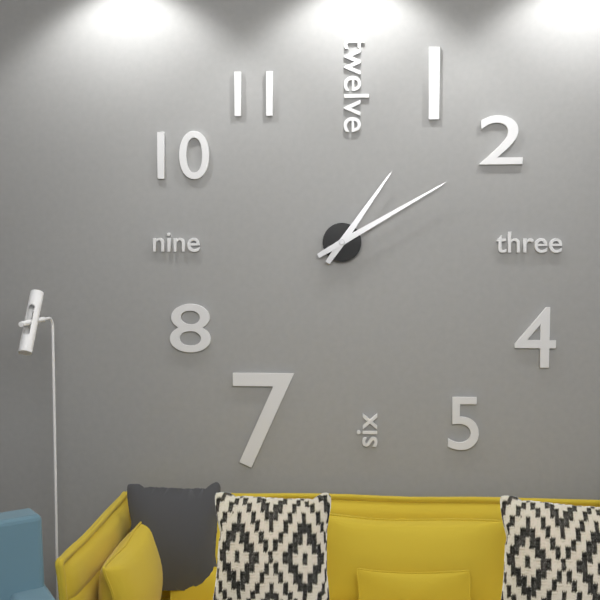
1:10
